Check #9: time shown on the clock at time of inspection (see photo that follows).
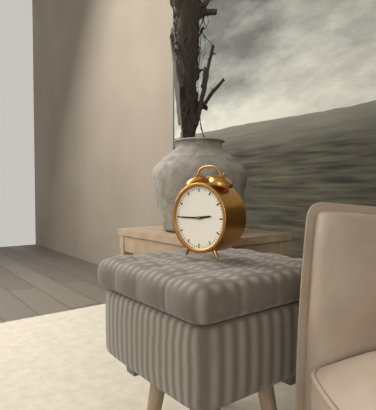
2:45
